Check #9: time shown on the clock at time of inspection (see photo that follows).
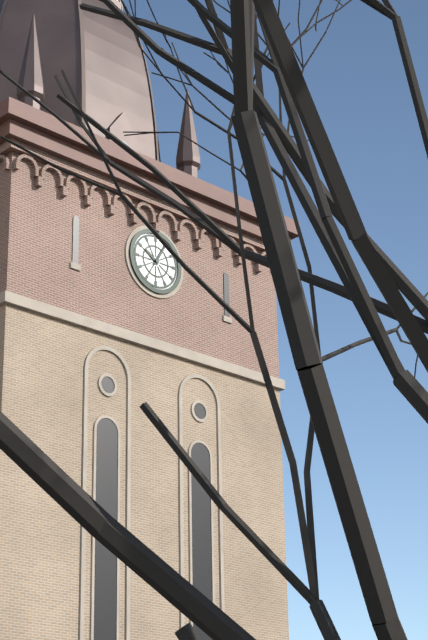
10:05
